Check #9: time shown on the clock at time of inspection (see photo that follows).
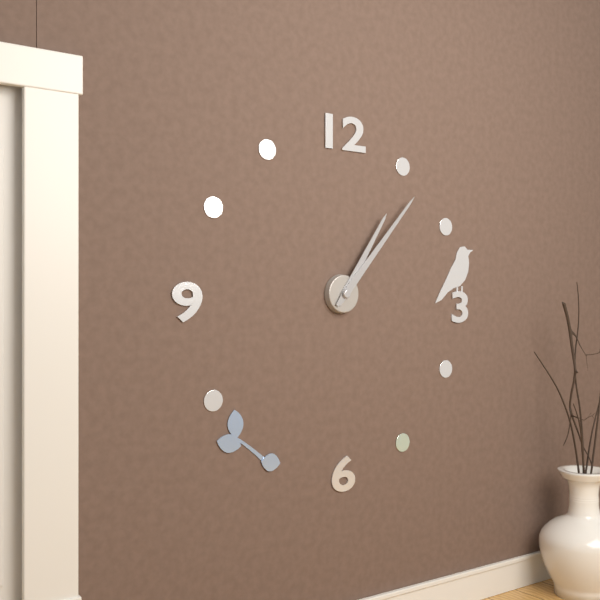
1:07
